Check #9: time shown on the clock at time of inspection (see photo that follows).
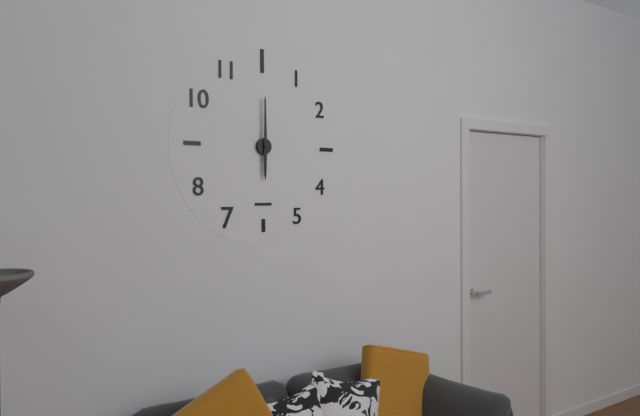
6:00
